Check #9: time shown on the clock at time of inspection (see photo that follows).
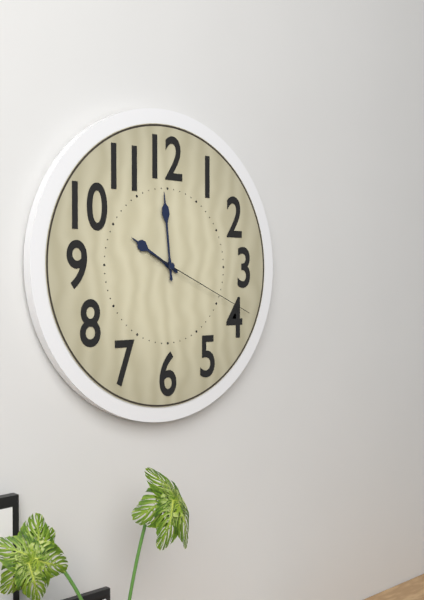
9:59:19
